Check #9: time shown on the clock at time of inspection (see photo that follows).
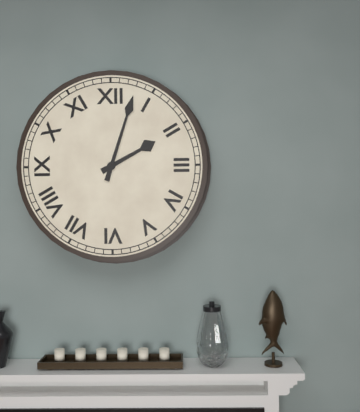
2:03
